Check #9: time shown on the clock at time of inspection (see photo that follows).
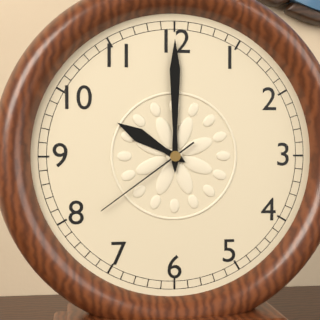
10:00:39
